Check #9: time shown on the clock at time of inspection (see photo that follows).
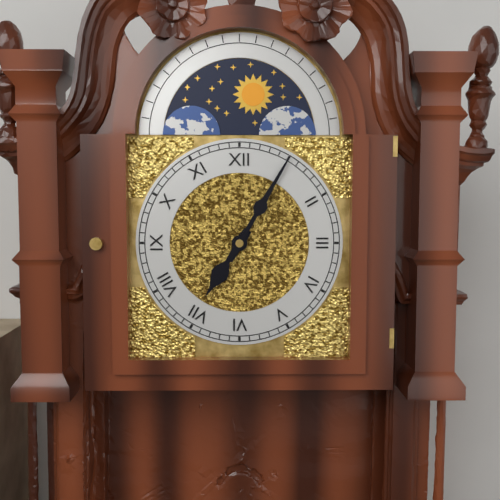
7:05
